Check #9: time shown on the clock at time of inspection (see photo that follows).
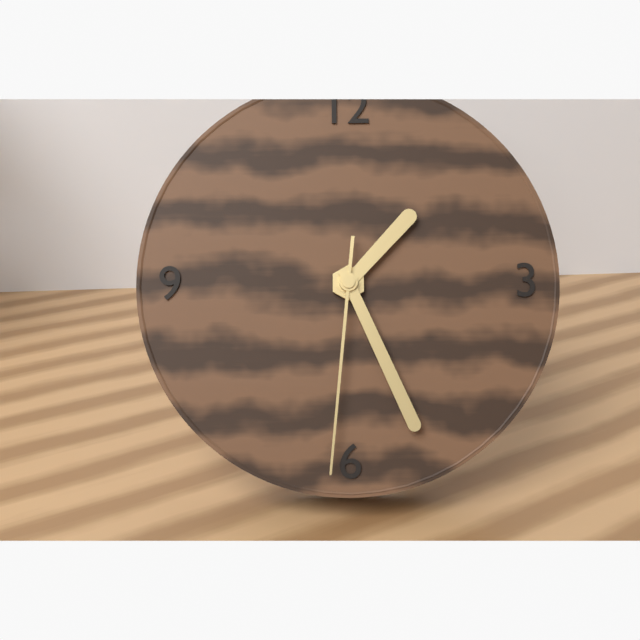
1:26:31
